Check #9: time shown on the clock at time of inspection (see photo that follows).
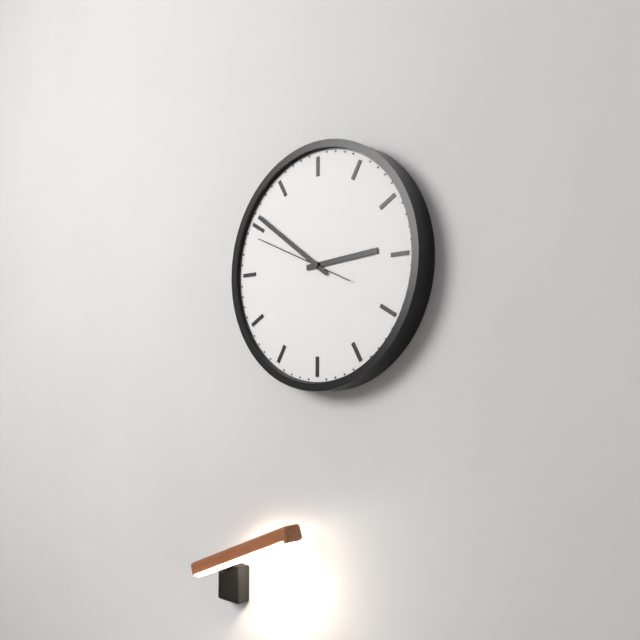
2:51:49
